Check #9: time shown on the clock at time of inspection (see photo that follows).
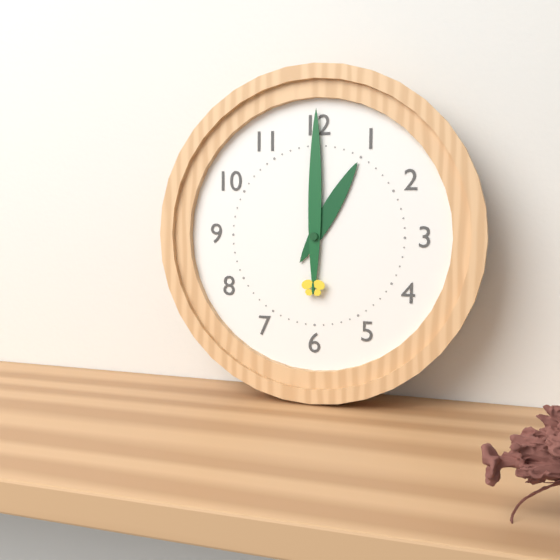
1:00
